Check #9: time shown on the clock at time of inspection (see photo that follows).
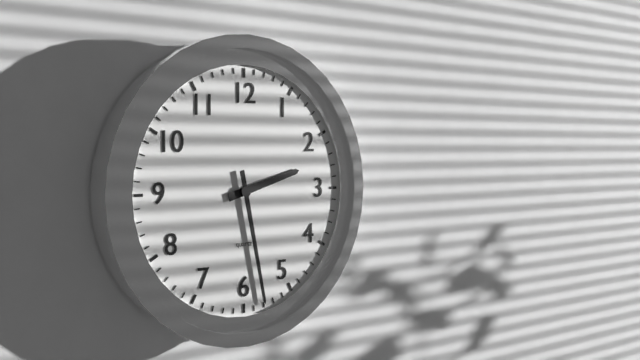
2:28
